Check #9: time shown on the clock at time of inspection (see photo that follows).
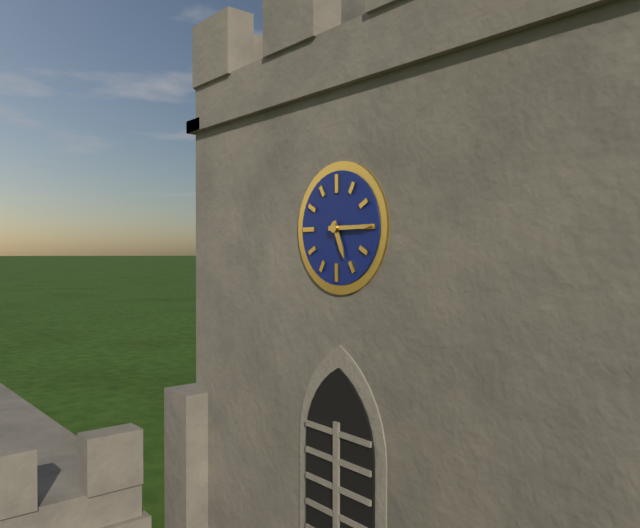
5:15
